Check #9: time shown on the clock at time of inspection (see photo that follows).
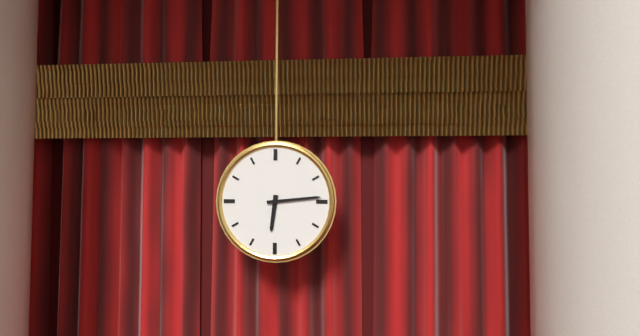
6:14
